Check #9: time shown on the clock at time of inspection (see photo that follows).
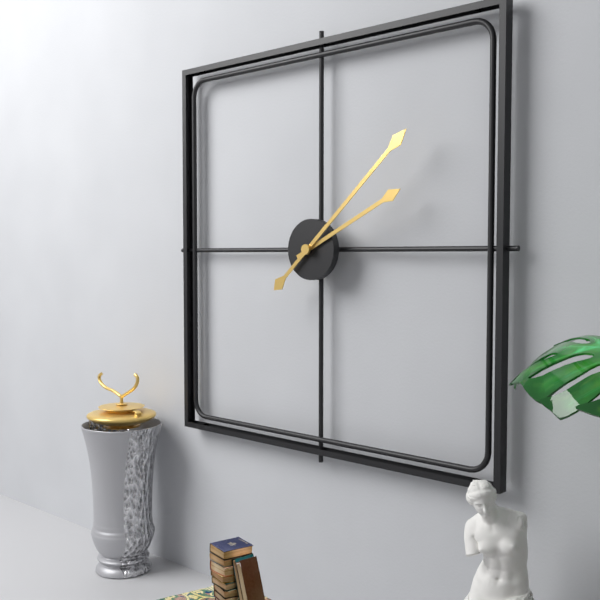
2:08
